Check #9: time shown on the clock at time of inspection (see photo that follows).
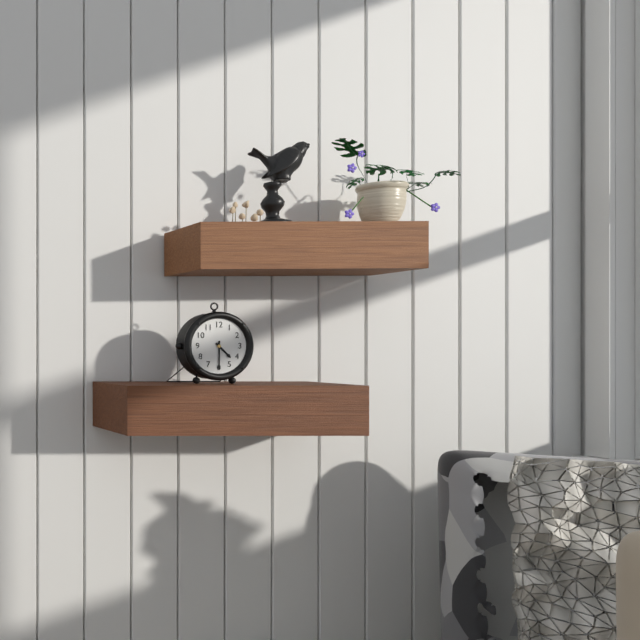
4:30
